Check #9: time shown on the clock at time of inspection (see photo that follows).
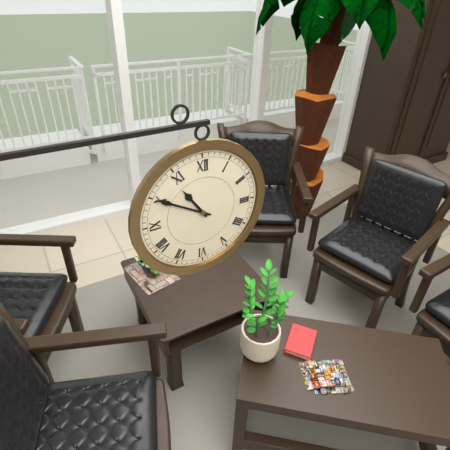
10:50
